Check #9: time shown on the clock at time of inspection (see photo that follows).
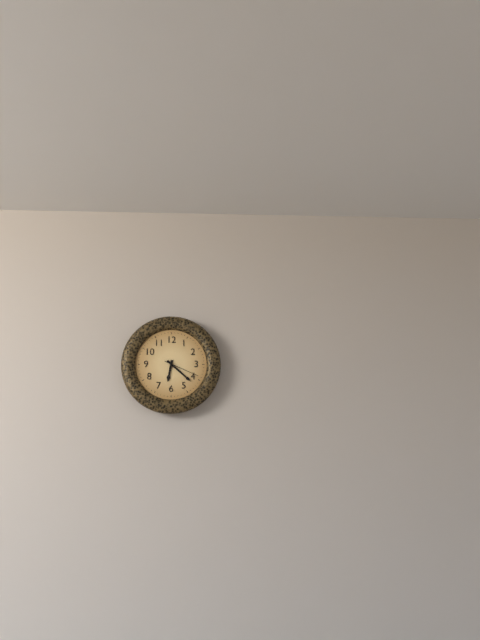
6:22
